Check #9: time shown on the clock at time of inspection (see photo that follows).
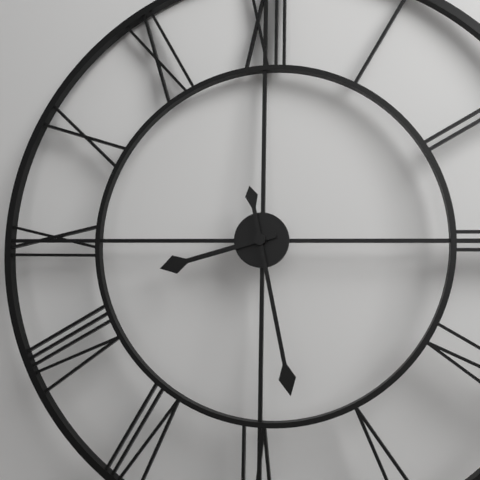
8:28
